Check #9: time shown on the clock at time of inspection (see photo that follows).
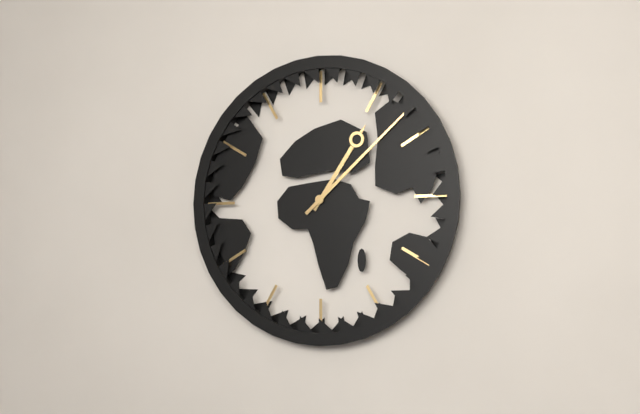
1:08
